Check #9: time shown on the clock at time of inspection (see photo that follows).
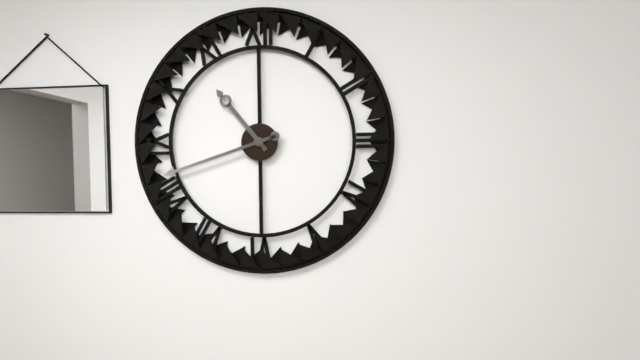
10:42
